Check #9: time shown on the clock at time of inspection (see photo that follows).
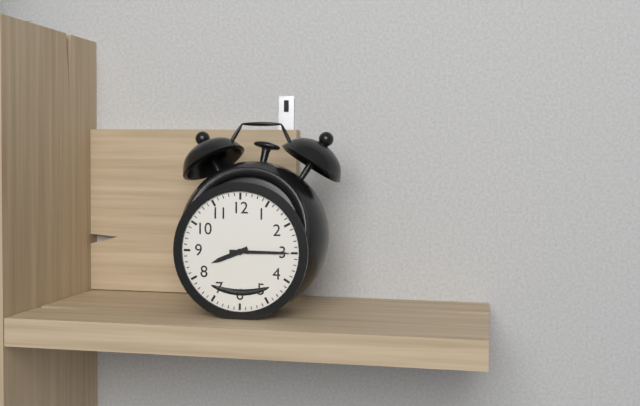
8:15
